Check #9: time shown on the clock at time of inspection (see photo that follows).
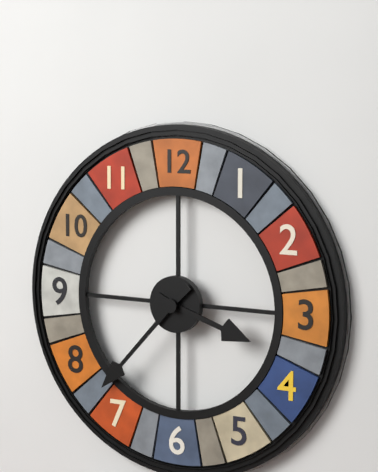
3:37
